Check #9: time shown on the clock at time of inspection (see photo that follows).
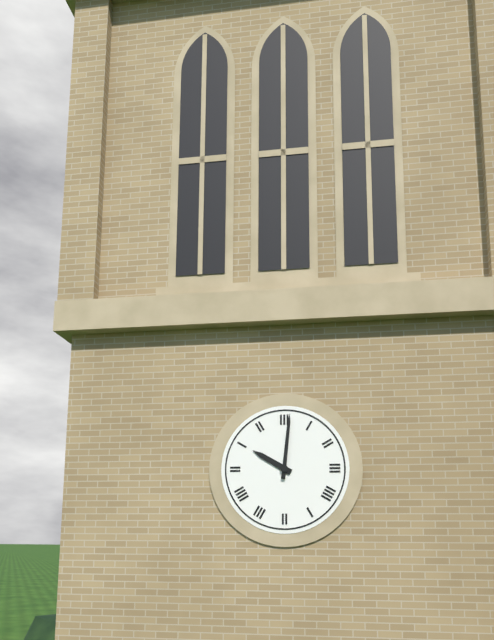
10:01
